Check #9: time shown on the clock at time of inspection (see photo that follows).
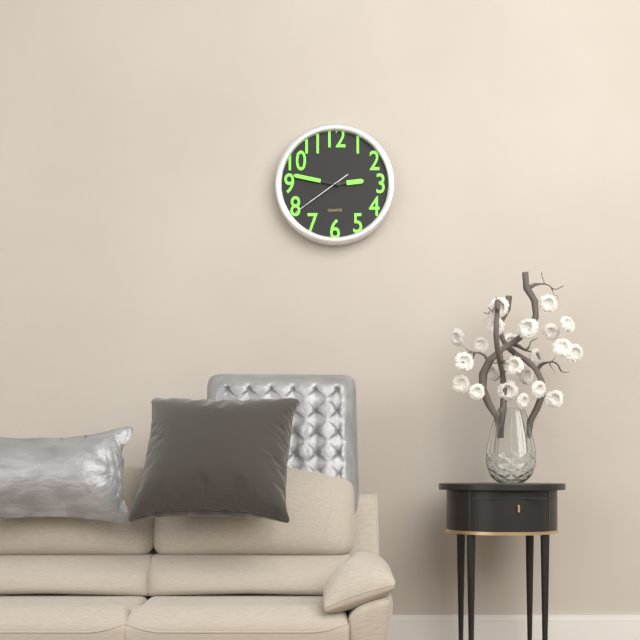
2:47:39
